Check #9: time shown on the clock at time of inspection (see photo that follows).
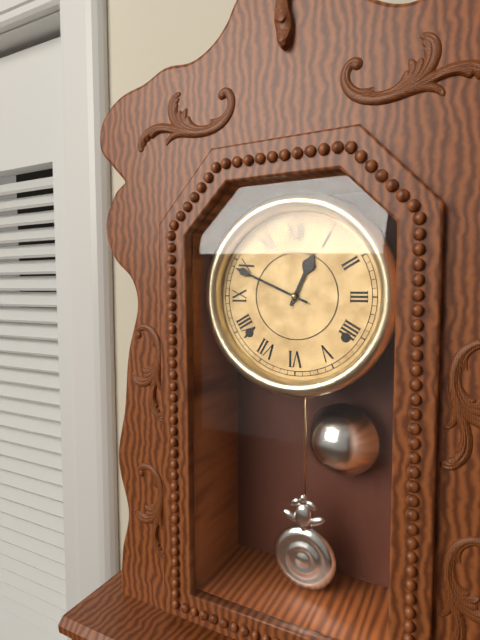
12:49
